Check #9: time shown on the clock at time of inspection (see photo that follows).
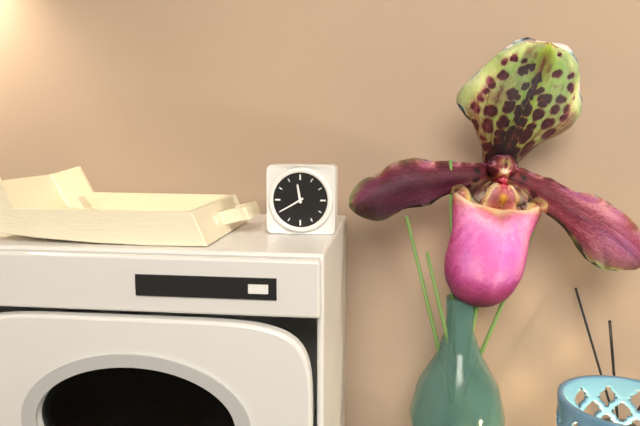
11:40
